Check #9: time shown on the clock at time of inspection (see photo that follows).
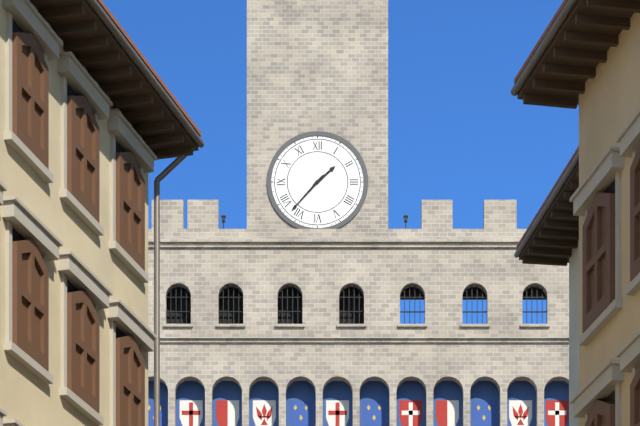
1:37
